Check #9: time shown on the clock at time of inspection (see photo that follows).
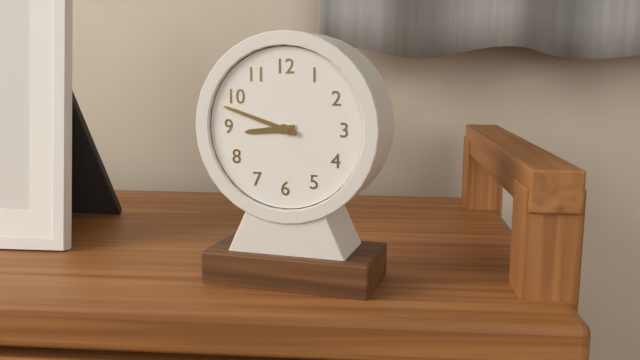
8:48
